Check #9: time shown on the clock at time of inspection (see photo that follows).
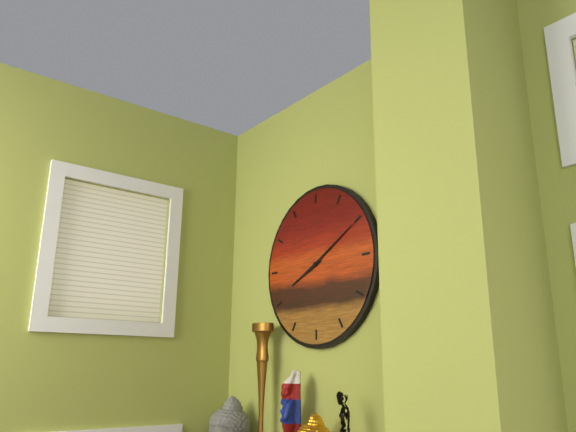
8:10
